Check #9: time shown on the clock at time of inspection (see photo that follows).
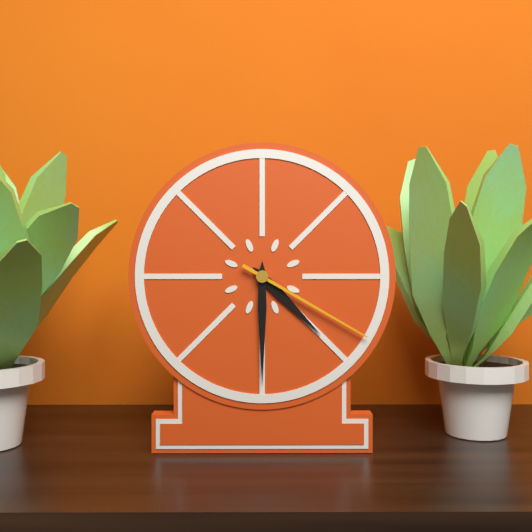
4:30:20
